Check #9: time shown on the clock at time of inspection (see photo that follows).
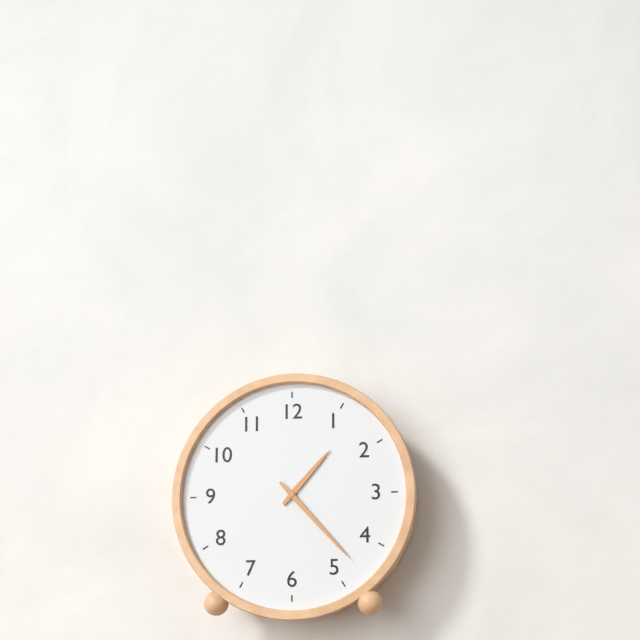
1:23
